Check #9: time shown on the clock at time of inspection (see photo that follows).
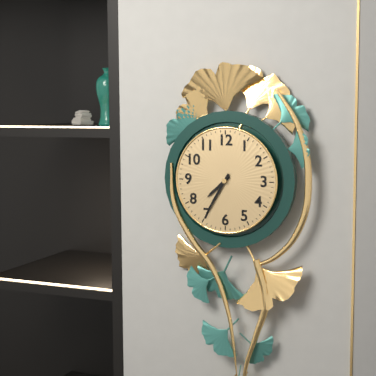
7:35
